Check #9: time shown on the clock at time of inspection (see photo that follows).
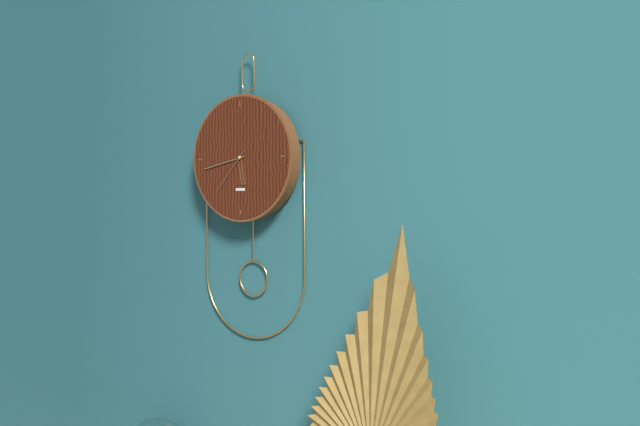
5:43:37
